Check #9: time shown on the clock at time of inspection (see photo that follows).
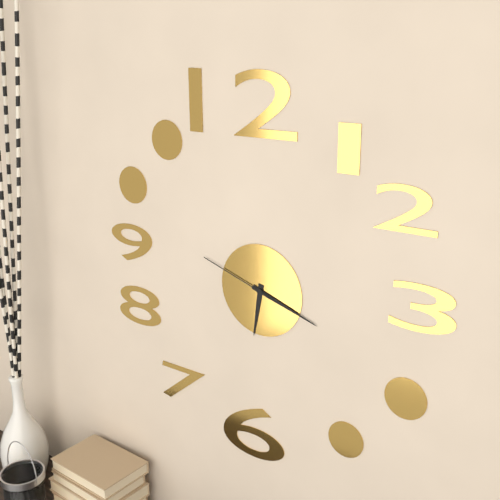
6:18:48
